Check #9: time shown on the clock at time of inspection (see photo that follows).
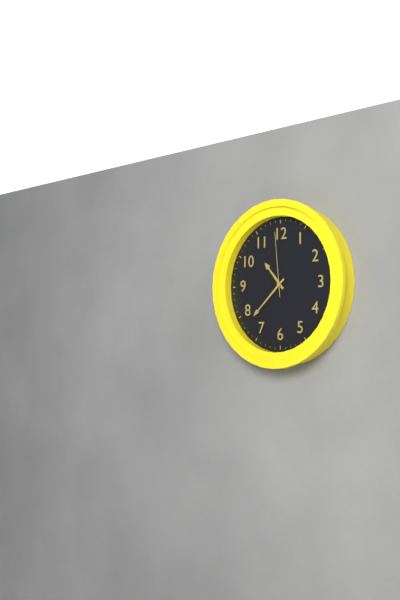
10:38:59
